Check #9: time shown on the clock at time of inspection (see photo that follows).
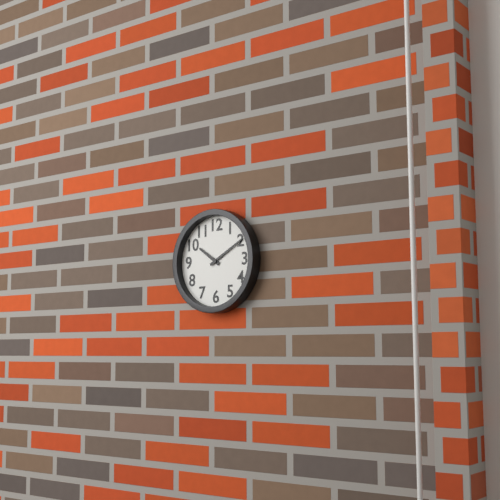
10:10
